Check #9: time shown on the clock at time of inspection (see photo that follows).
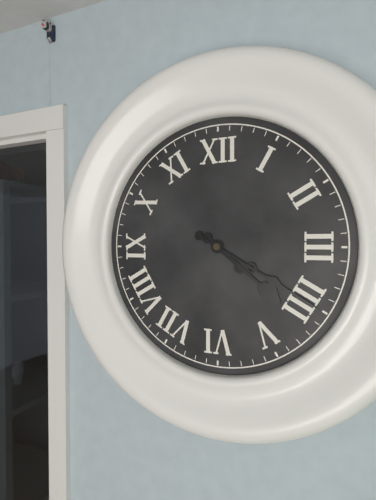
4:20
